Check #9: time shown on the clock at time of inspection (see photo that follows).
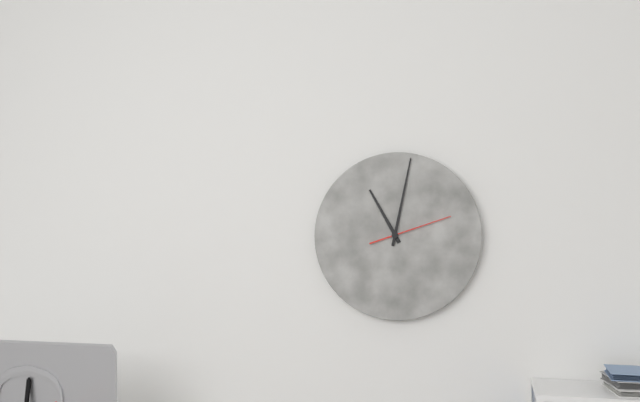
11:02:12
